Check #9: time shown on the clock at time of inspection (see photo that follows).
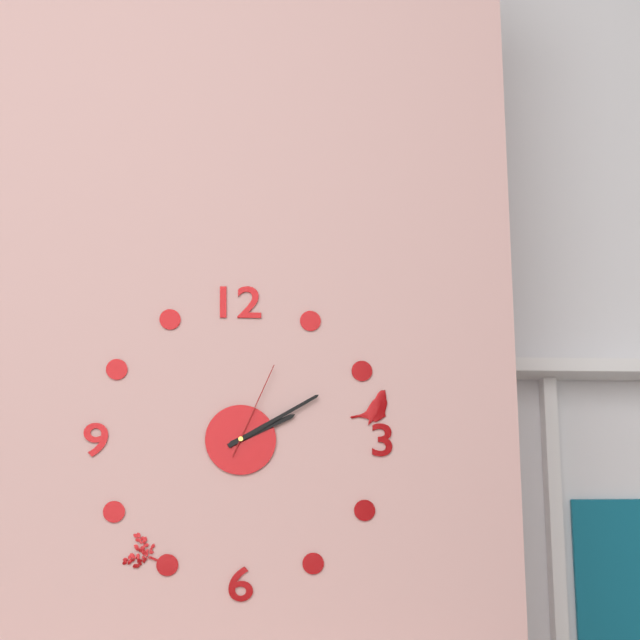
2:10:04
